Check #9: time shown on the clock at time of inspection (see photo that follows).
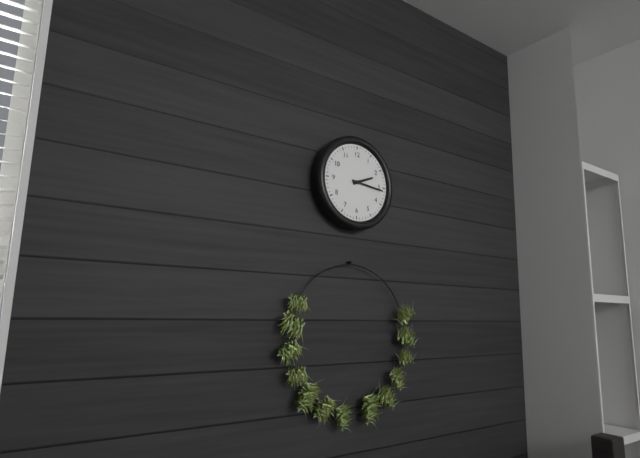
2:16
